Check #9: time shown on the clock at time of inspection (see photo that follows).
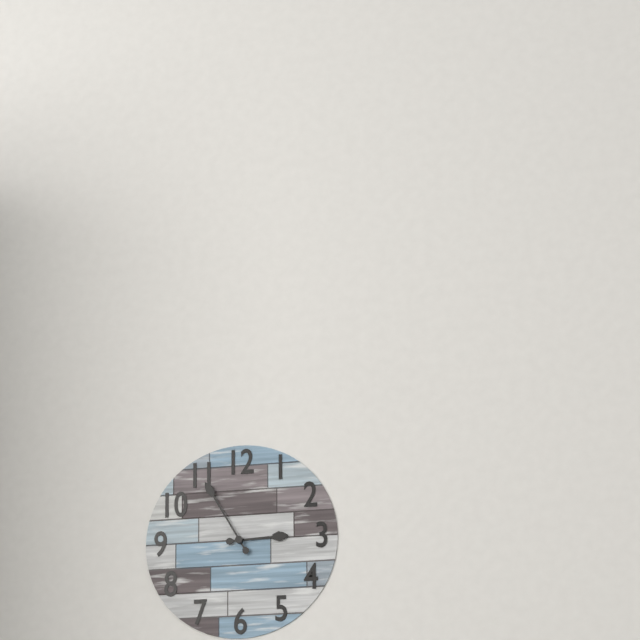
2:55
